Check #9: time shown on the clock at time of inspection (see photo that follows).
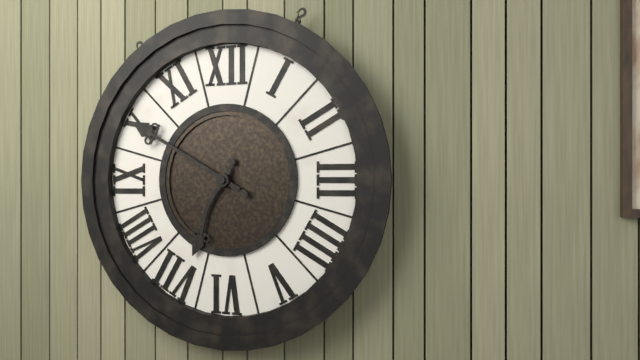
6:50
